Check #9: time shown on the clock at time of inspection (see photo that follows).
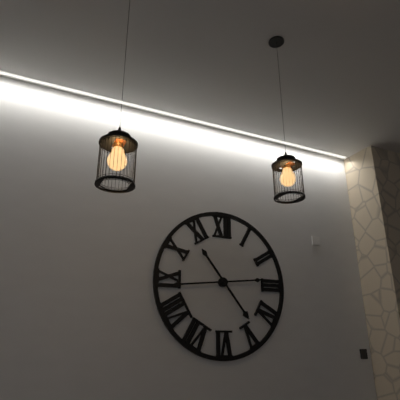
4:44
